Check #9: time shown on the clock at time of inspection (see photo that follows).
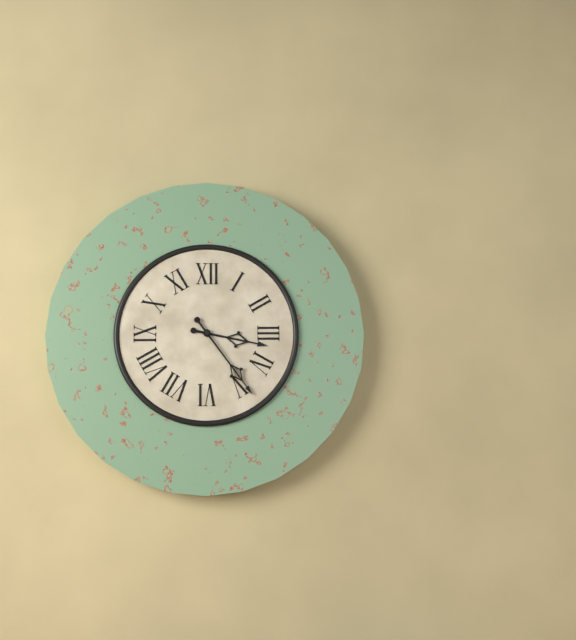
3:24
